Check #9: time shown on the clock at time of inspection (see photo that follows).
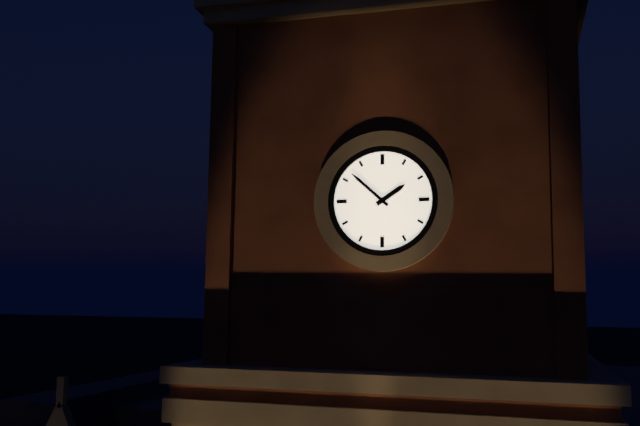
1:52
